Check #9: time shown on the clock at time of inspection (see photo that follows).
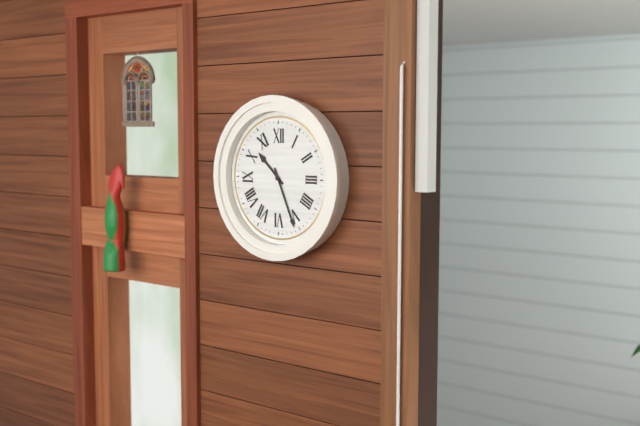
10:26
